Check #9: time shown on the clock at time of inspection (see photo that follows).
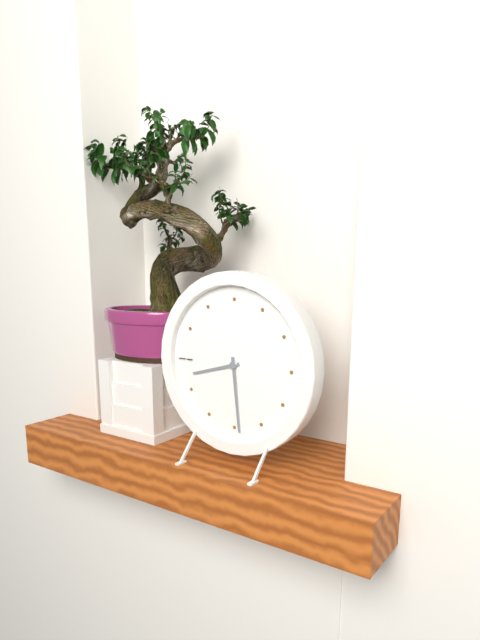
8:29
